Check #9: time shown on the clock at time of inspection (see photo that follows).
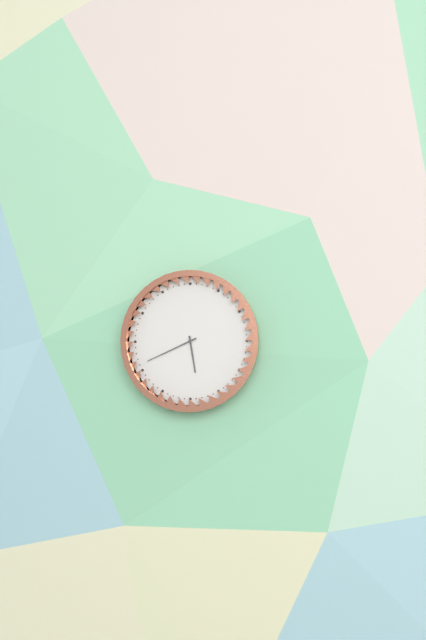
5:41
